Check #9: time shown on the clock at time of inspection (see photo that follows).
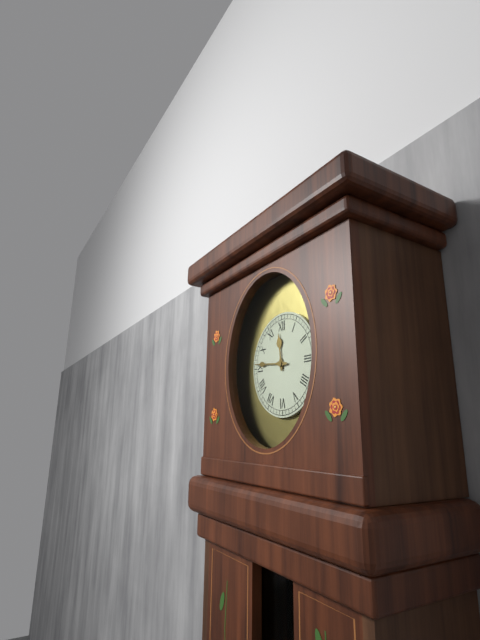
11:46
